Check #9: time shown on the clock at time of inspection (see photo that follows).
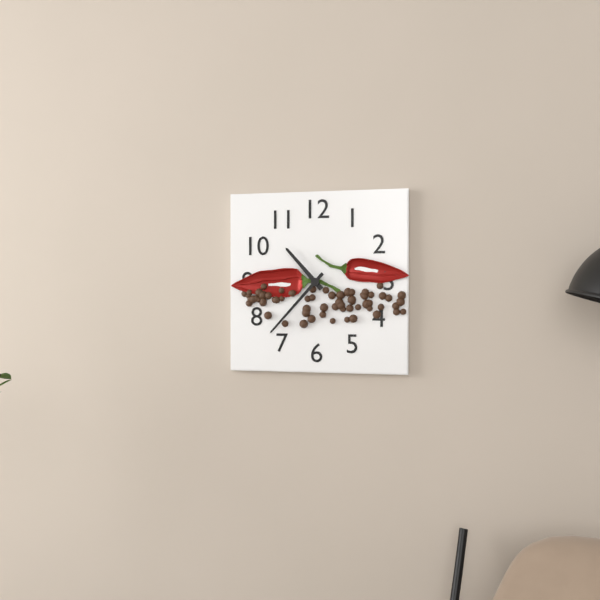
10:37
